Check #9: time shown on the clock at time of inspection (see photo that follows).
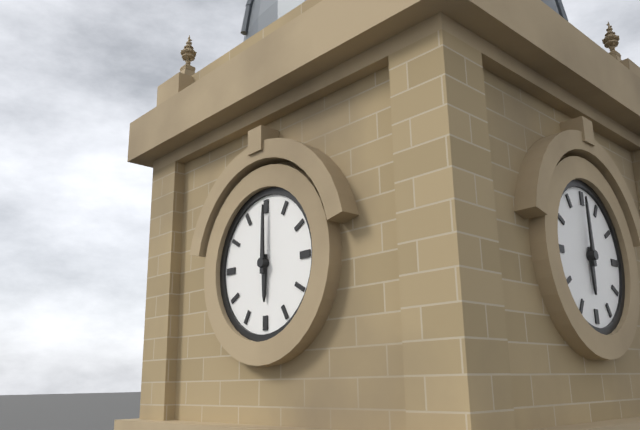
6:00
